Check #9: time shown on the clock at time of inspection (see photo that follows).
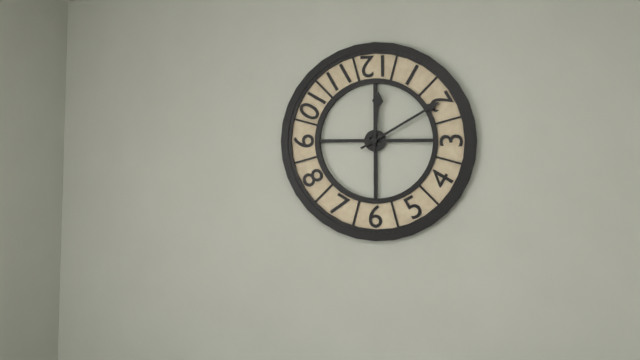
12:10
